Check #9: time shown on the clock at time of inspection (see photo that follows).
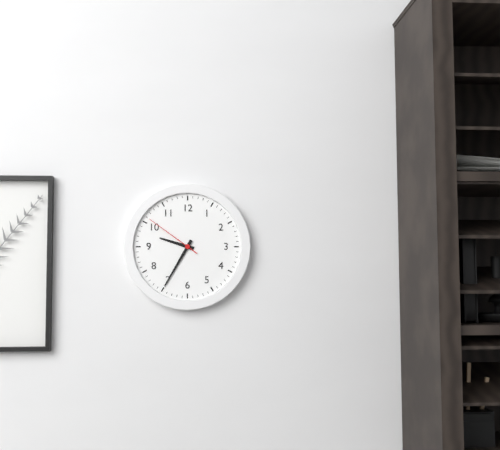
9:35:51
